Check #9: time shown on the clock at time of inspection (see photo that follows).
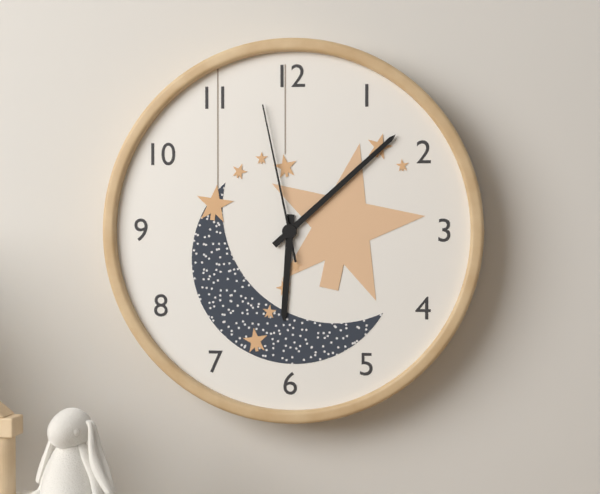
6:08:58
